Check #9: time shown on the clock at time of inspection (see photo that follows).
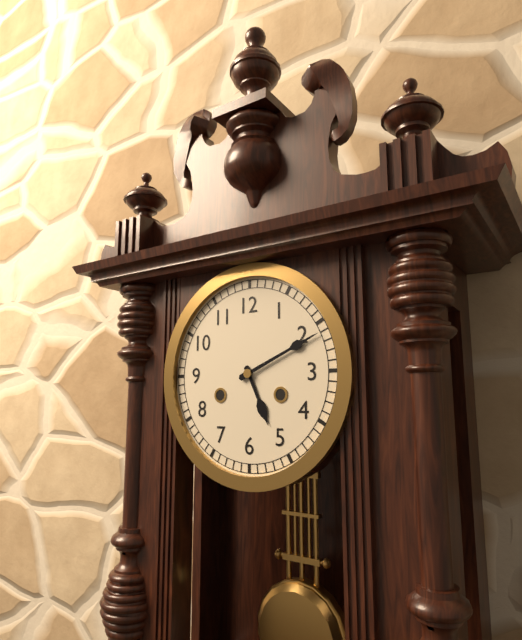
5:11
